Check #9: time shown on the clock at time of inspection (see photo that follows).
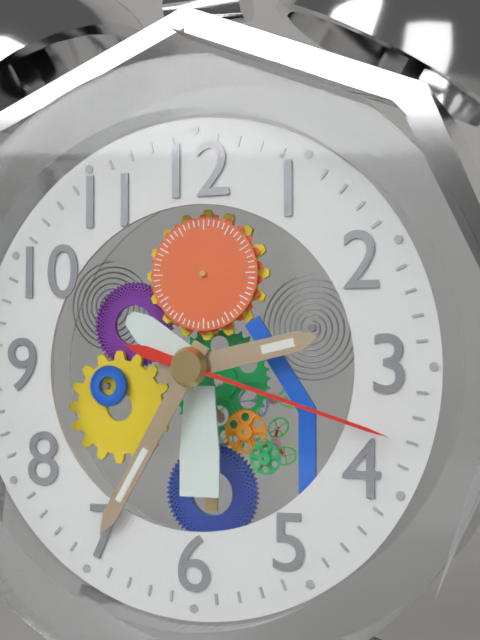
2:35:18
